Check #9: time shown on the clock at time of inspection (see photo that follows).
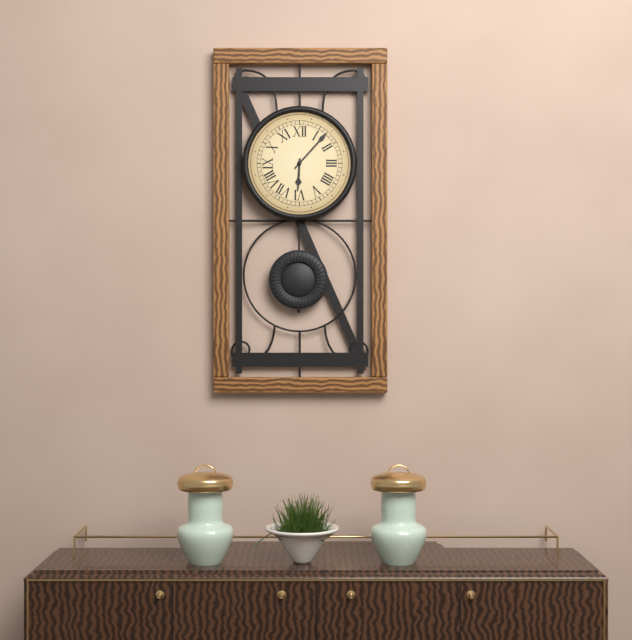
6:07
